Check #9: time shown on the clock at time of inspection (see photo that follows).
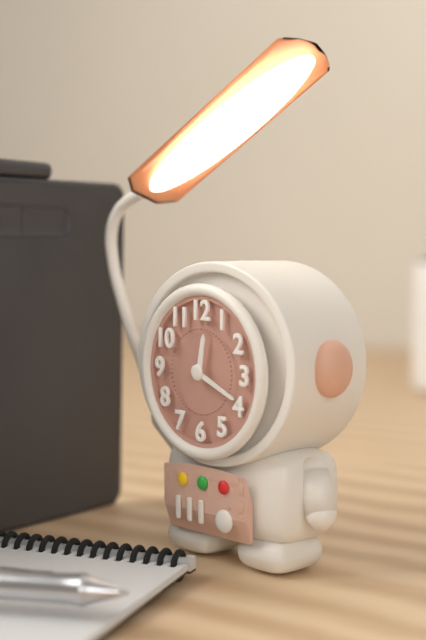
12:19
